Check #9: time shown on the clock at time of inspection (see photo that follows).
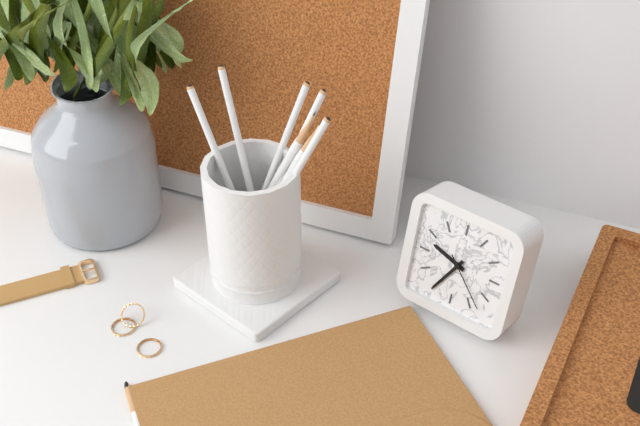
9:35:23
